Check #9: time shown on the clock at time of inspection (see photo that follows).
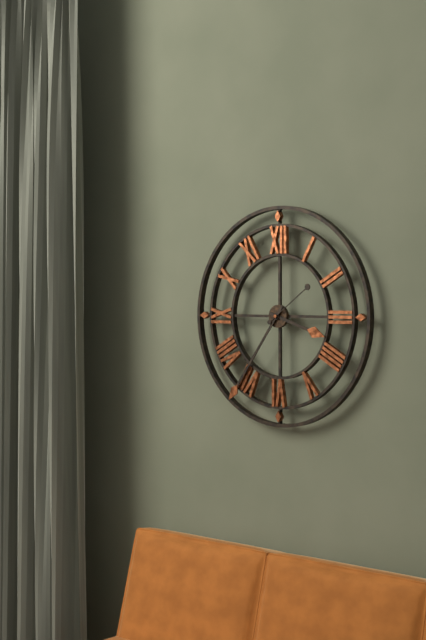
3:36:09
